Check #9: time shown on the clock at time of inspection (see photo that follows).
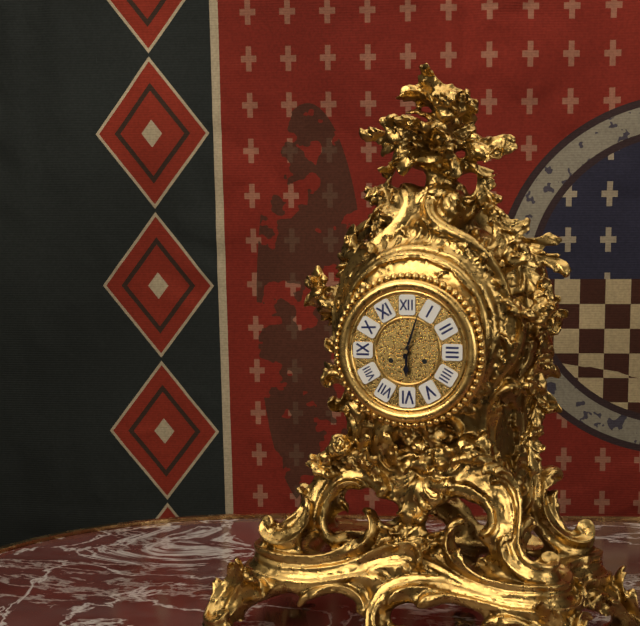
6:03
